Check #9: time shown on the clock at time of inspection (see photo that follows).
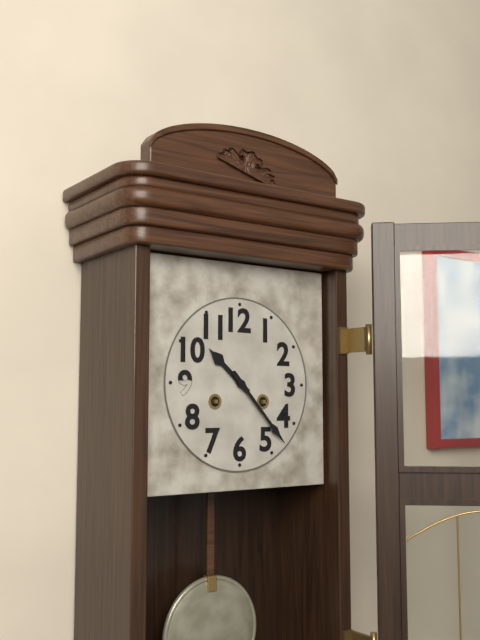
10:23
